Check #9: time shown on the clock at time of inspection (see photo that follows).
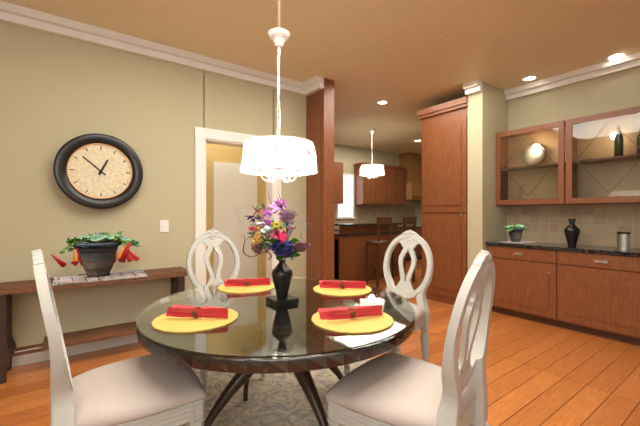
12:52
